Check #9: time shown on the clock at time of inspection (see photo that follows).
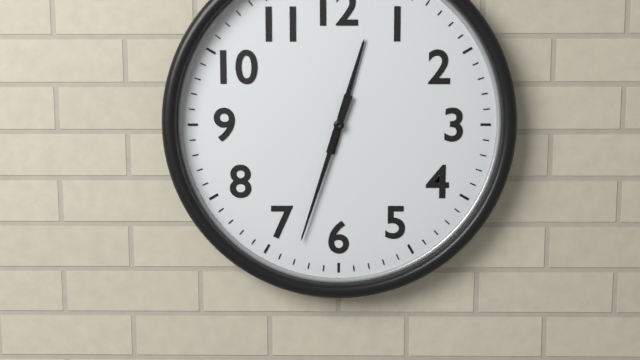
12:33
